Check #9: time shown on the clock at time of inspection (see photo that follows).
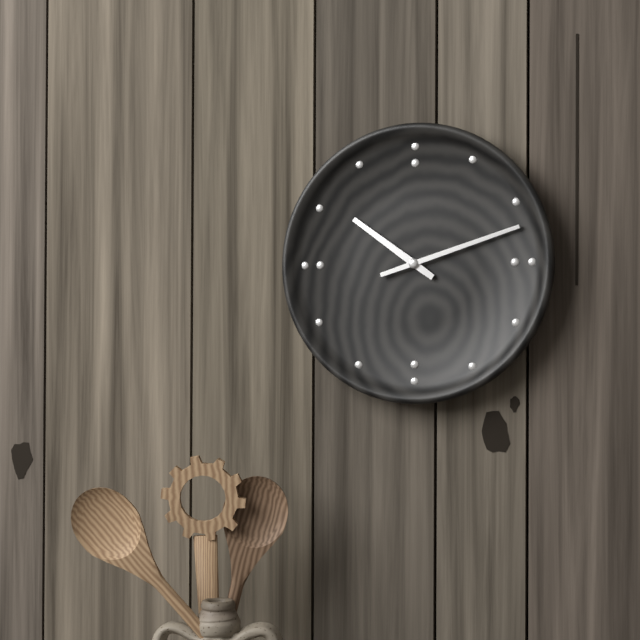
10:12
